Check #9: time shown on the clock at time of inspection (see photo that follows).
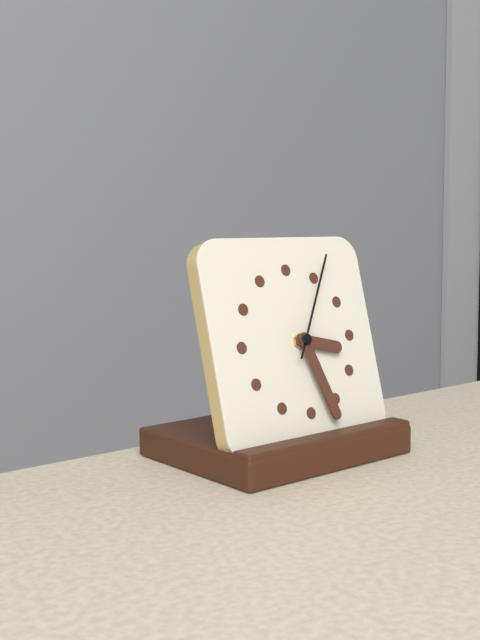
3:27:05
